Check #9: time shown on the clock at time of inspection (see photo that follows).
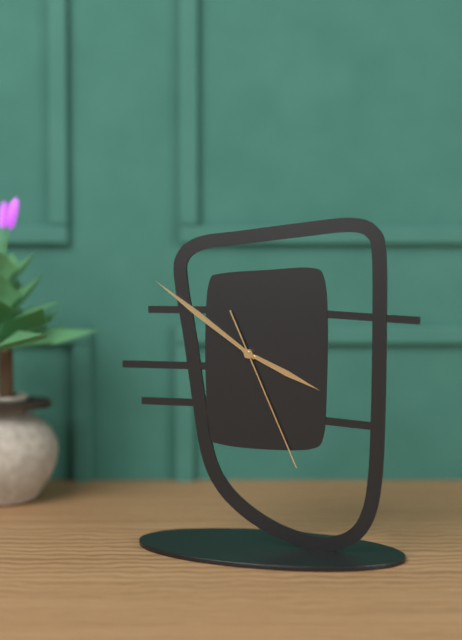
3:51:26
